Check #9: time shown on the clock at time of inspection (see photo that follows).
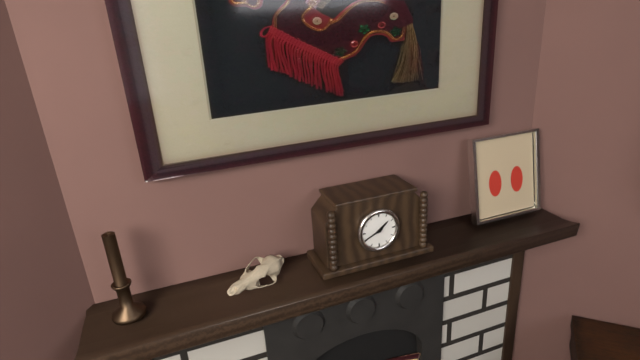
1:41
